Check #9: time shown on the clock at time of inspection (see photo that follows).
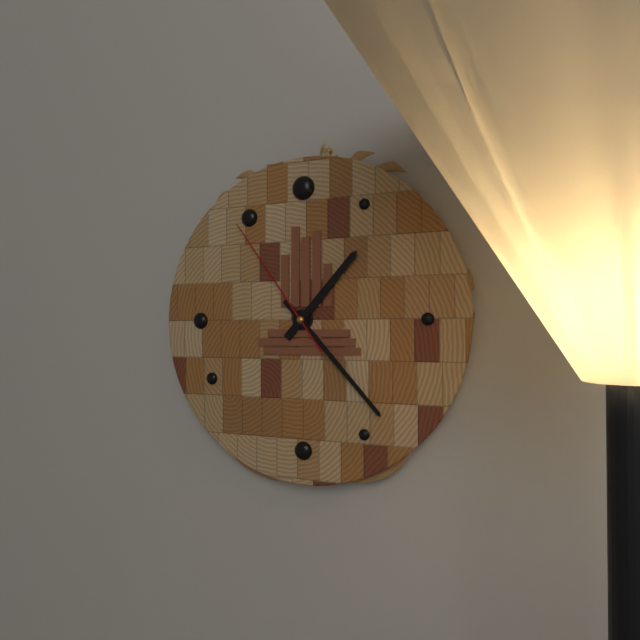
1:23:54
